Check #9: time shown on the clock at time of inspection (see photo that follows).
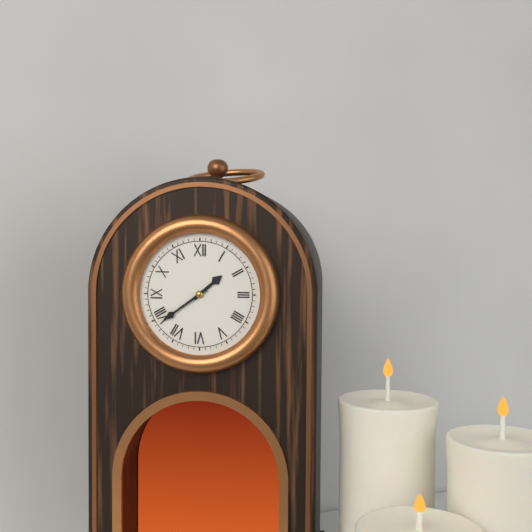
1:39
